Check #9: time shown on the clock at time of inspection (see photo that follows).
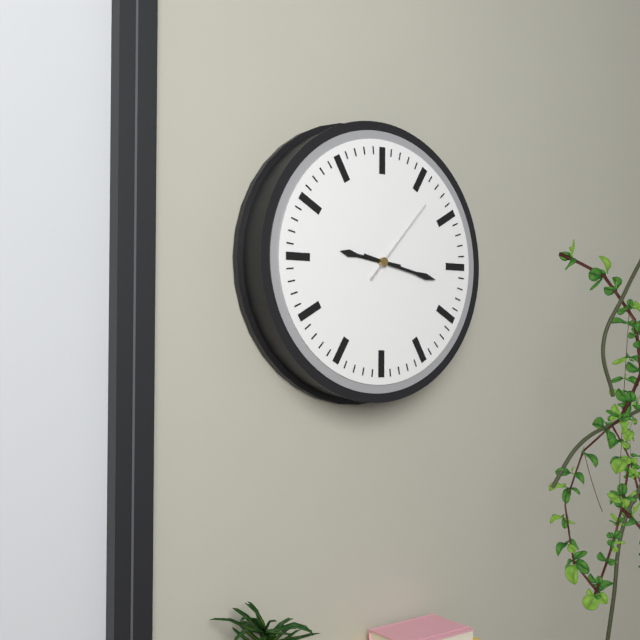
9:17:07
